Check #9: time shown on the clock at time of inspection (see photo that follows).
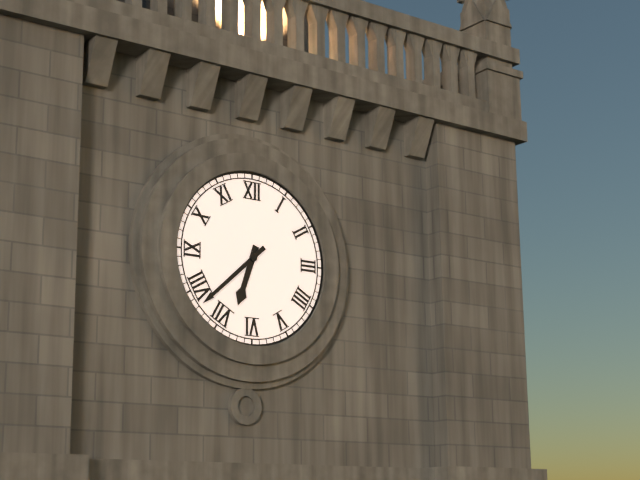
6:38
